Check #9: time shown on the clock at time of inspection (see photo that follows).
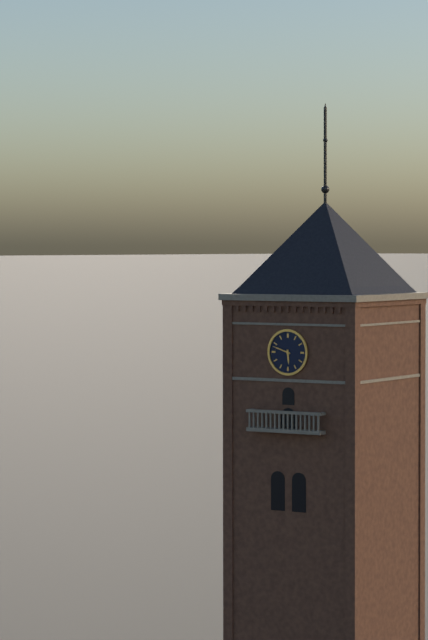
5:48
